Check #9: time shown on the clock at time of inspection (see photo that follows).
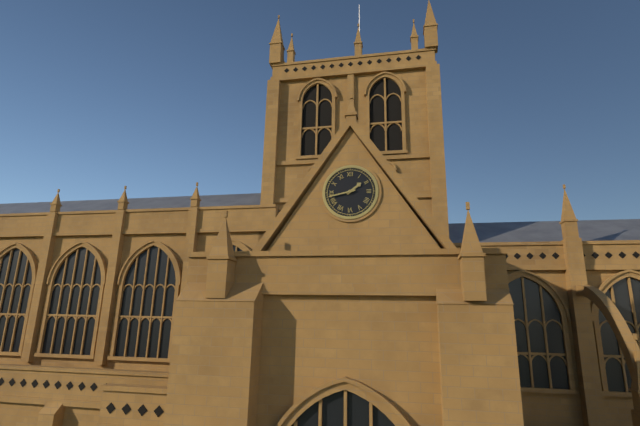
1:43
